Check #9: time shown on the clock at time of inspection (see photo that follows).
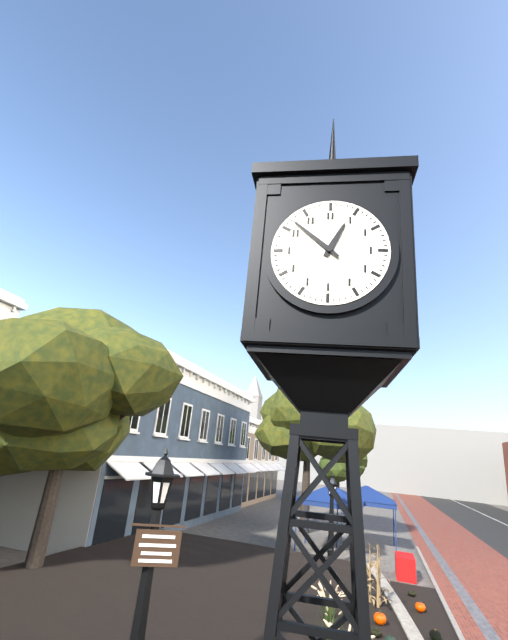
12:52
